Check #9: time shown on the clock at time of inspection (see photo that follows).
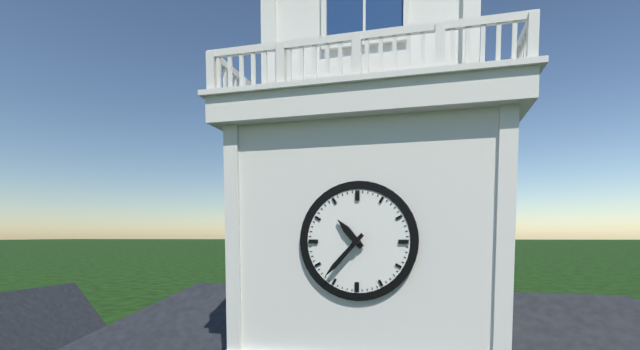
10:37
